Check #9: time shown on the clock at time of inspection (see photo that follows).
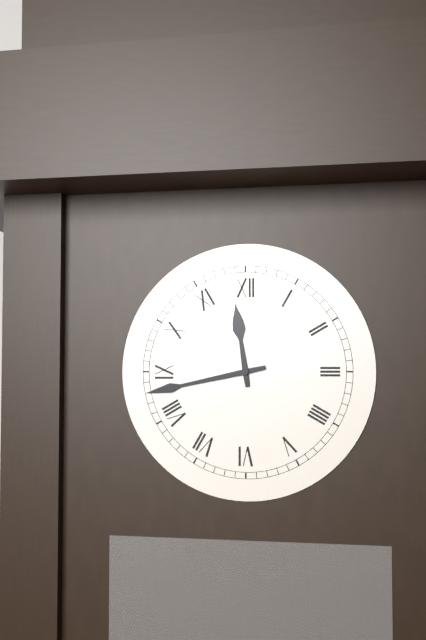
11:43
